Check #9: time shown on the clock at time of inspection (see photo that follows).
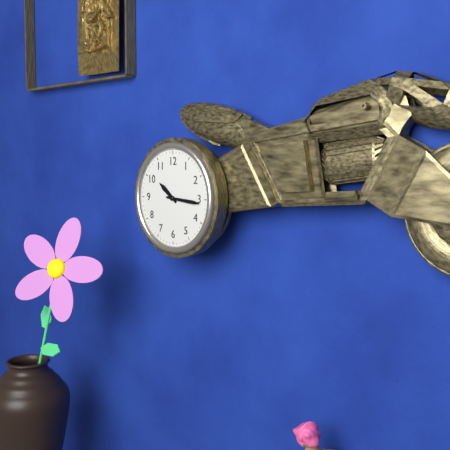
10:16
